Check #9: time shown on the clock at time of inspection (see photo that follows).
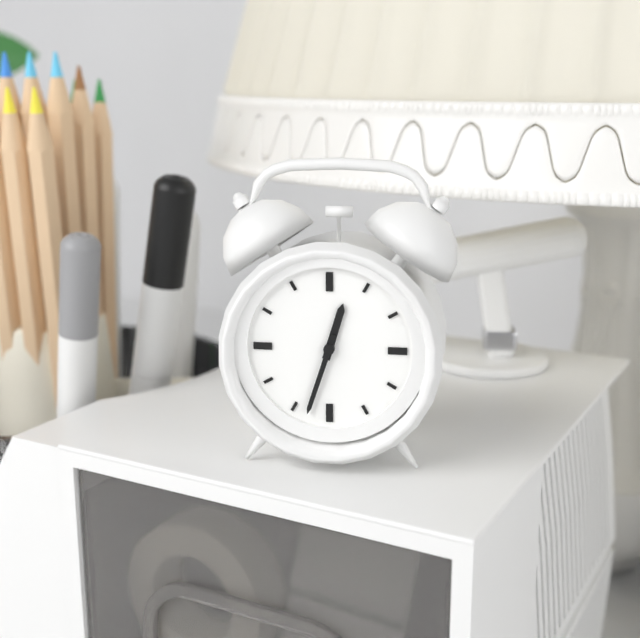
12:33
